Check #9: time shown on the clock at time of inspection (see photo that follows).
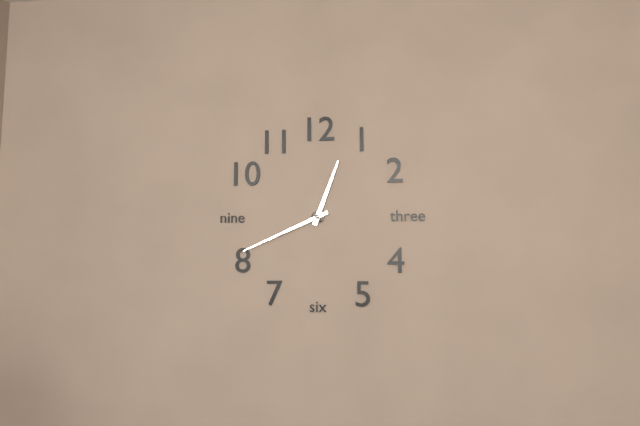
12:41
